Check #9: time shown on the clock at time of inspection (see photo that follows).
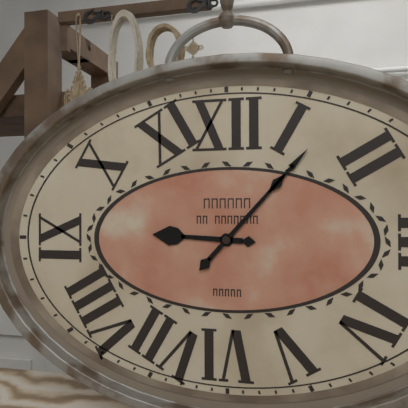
9:07
